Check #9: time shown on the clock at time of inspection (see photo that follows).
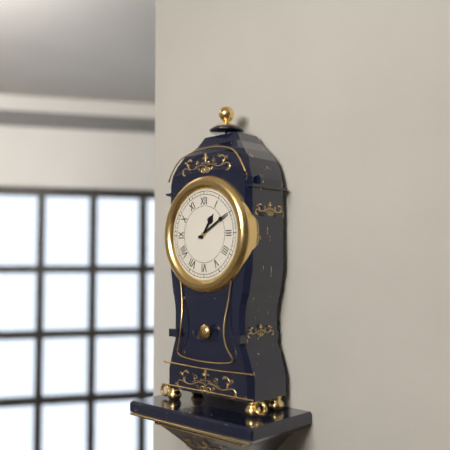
1:10
